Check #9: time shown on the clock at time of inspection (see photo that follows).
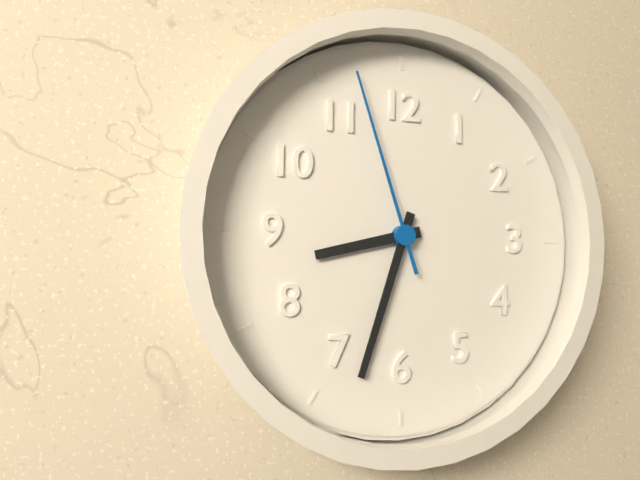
8:33:57
